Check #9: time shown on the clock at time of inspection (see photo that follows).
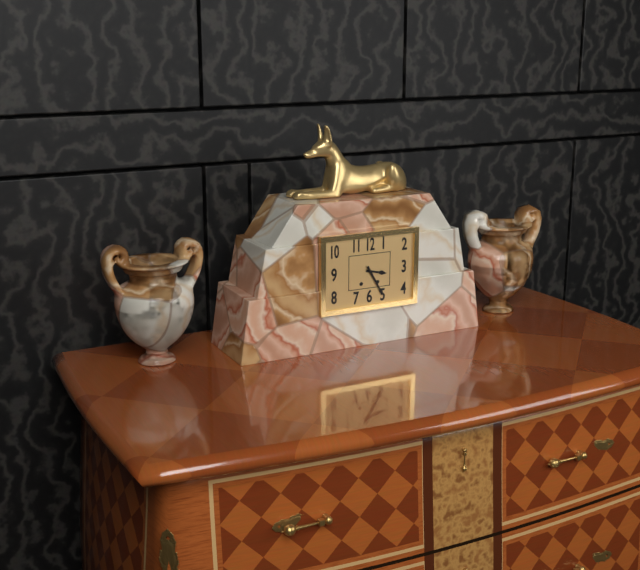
3:25
